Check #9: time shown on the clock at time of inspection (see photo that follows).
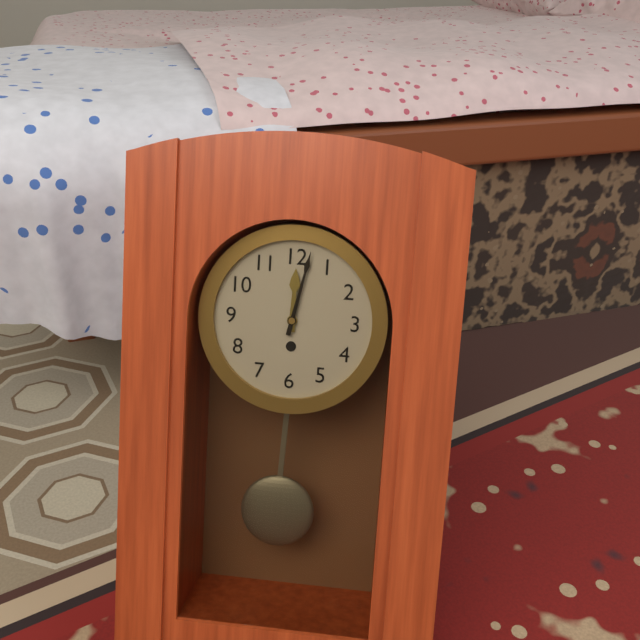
12:02
